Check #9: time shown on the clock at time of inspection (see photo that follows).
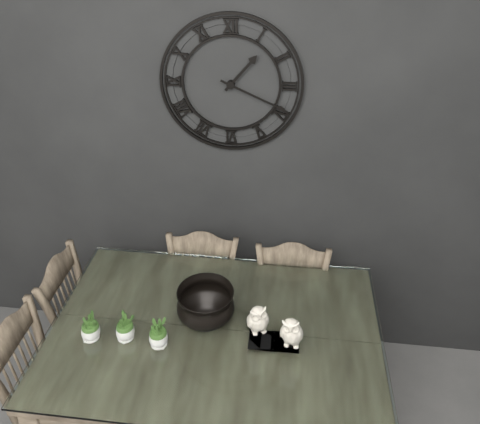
1:19
